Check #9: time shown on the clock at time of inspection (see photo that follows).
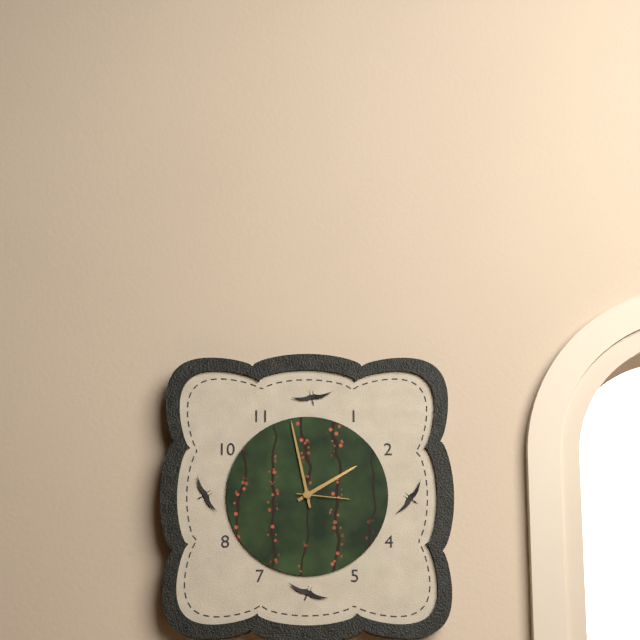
1:58:16
